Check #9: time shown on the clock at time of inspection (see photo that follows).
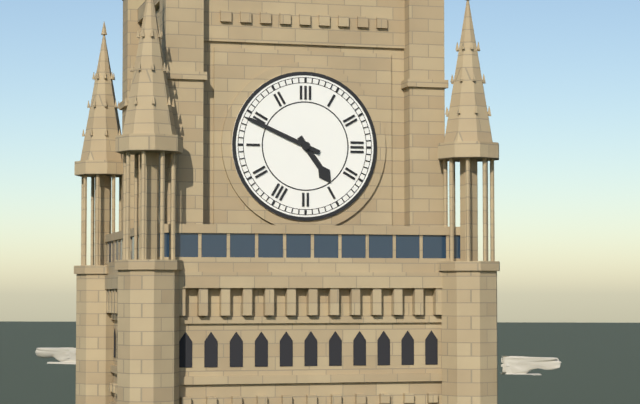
4:49
